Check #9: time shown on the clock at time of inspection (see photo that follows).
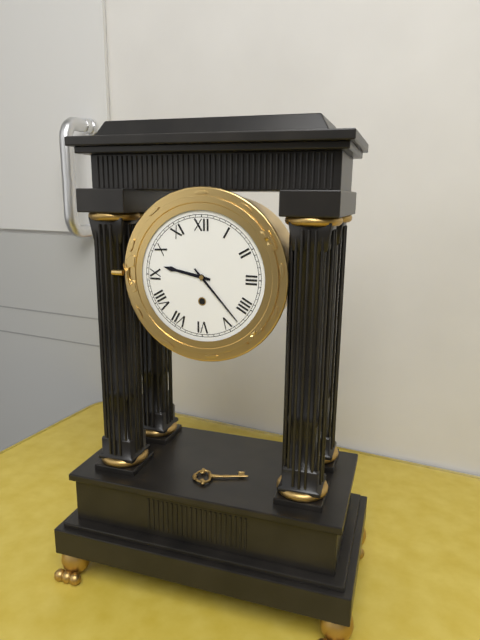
9:23
